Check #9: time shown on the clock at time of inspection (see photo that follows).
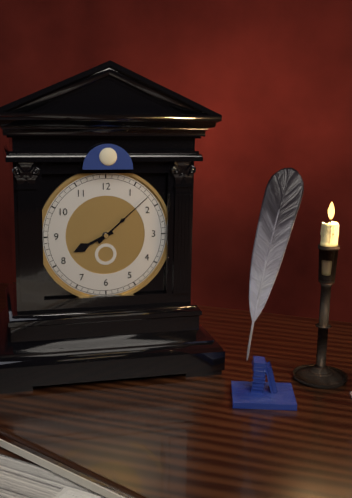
8:08
